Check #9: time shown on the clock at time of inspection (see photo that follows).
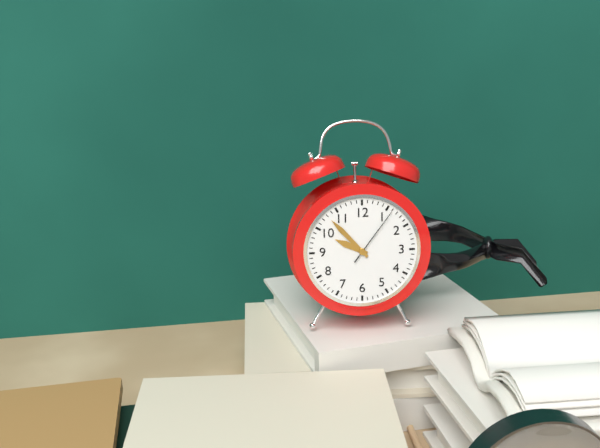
9:53:06
